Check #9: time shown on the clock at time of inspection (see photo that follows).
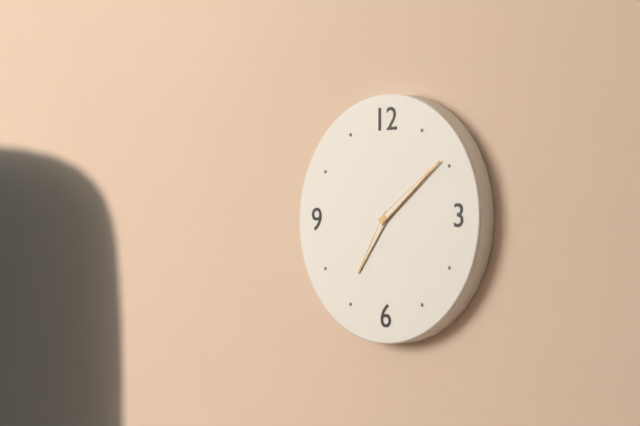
7:09
